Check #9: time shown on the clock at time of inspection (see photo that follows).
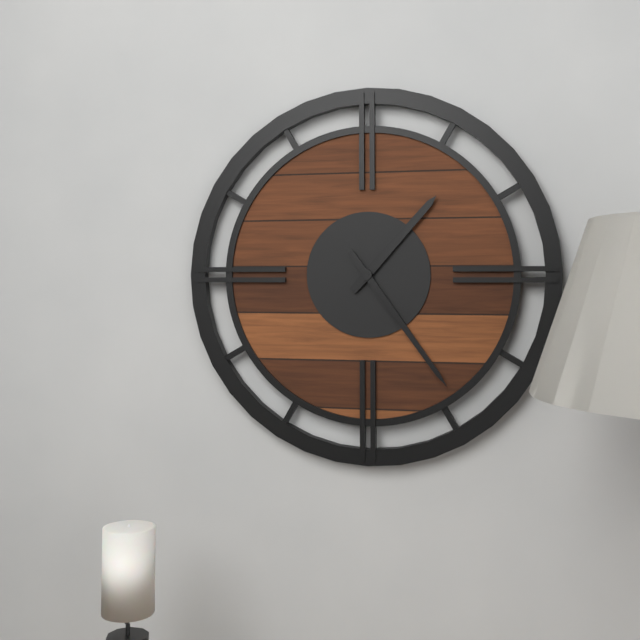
1:24
